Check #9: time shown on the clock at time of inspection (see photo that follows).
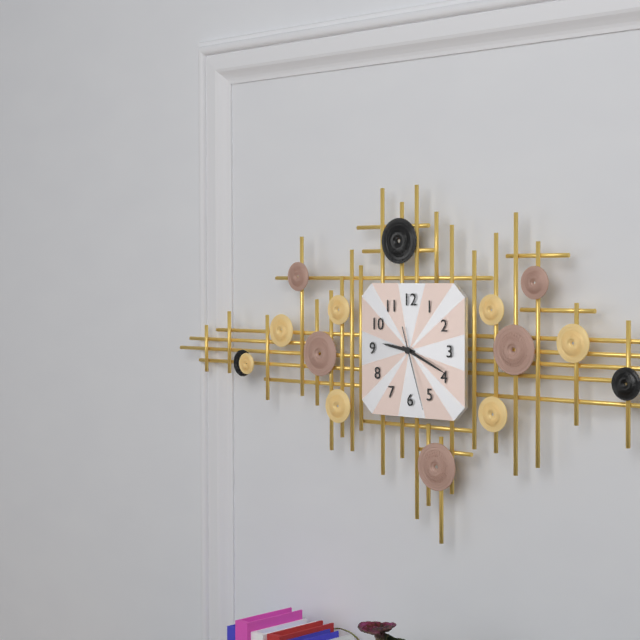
9:19:27
